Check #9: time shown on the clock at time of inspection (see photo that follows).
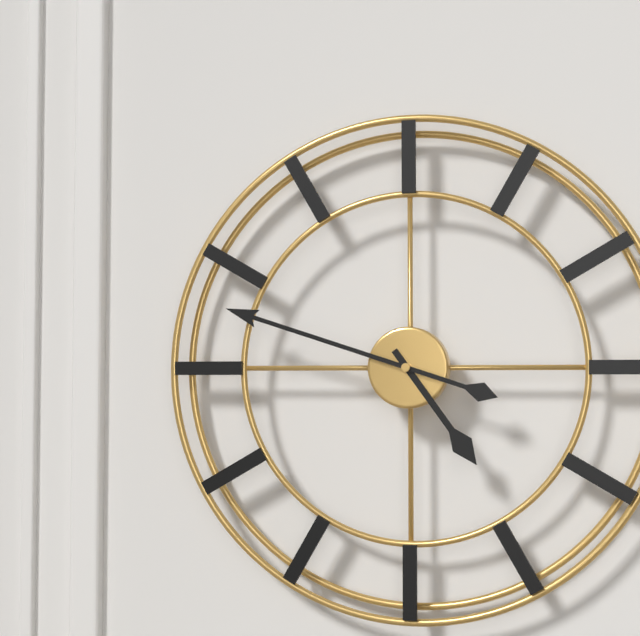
4:48
